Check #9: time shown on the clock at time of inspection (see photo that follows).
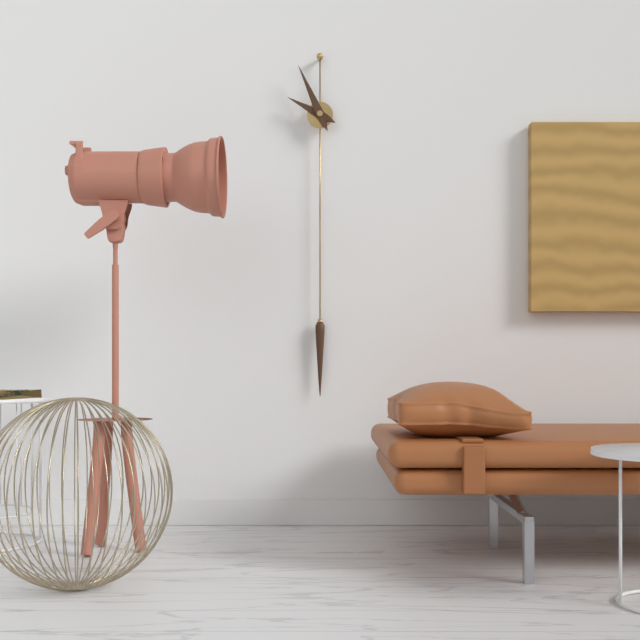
9:56
